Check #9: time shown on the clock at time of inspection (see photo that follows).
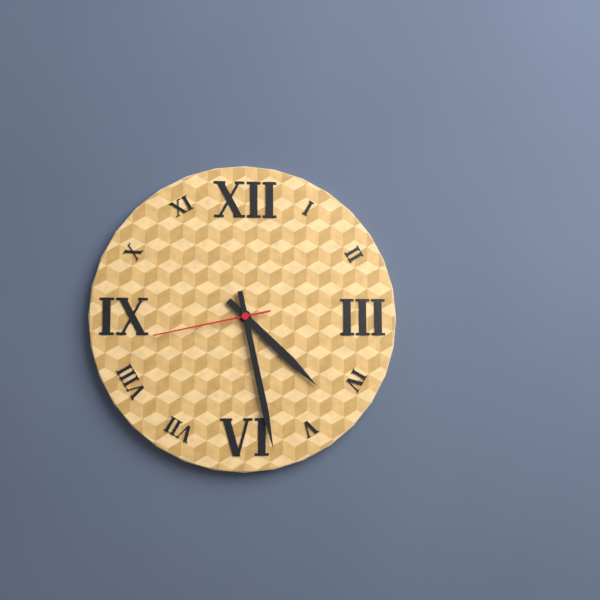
4:28:43
